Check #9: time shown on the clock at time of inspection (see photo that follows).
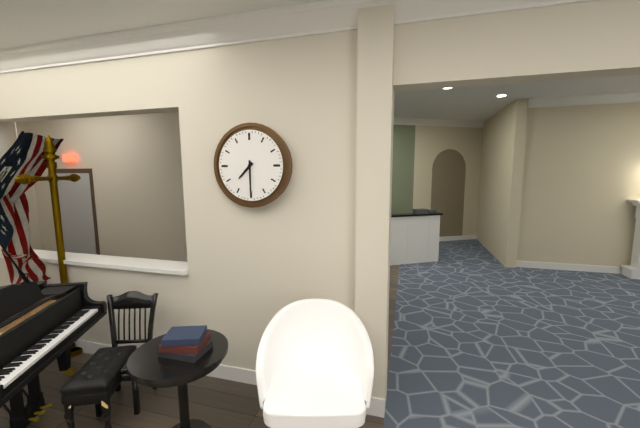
7:30
